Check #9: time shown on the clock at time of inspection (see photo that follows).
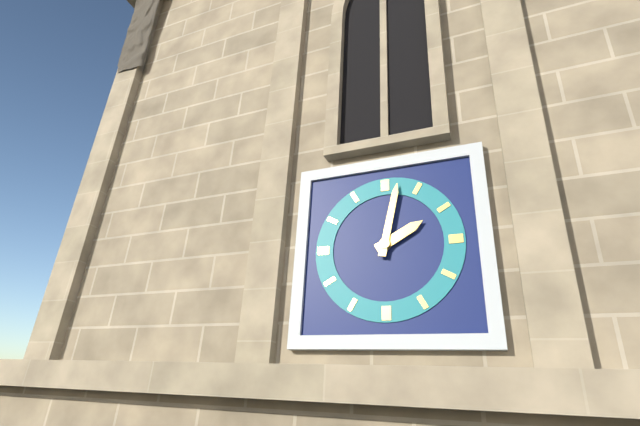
2:02
